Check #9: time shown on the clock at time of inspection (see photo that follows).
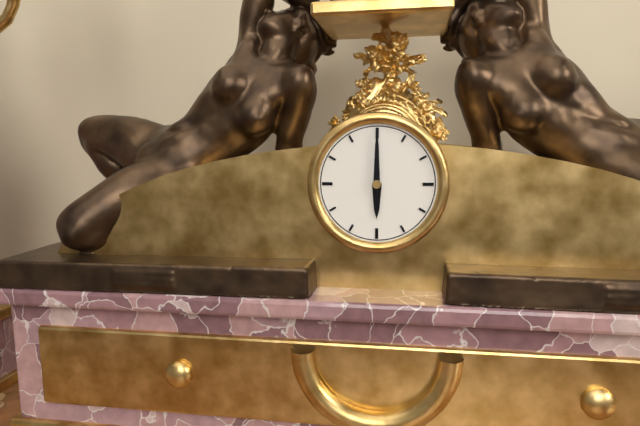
6:00
